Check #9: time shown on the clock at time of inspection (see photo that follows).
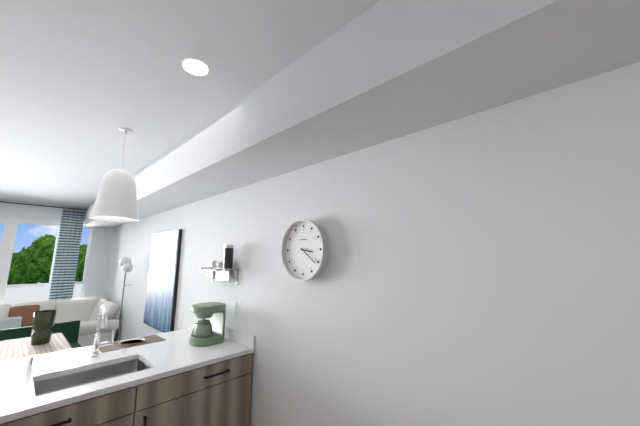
3:21
